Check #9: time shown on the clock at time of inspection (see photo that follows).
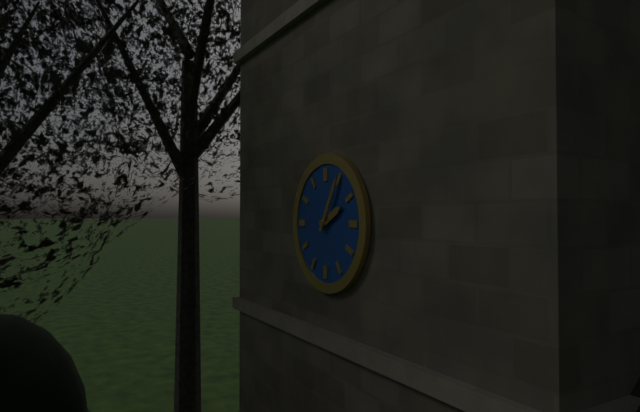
2:05
